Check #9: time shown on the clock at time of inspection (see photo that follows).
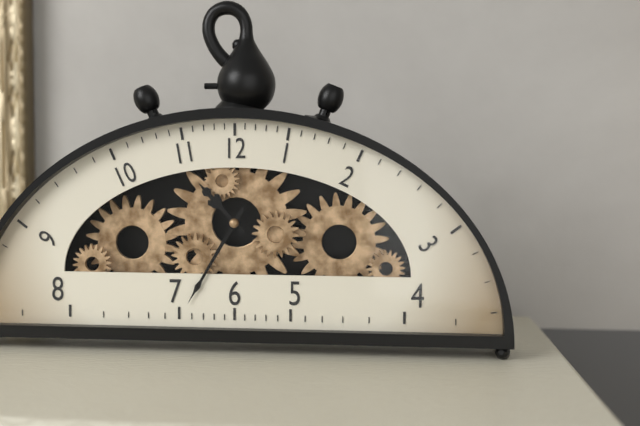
10:35
